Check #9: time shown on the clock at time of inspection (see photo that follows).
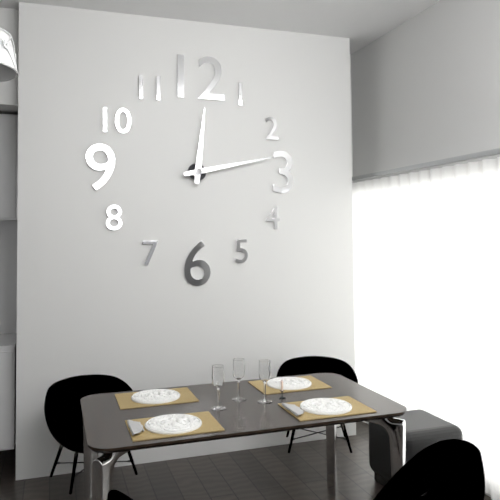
12:13
